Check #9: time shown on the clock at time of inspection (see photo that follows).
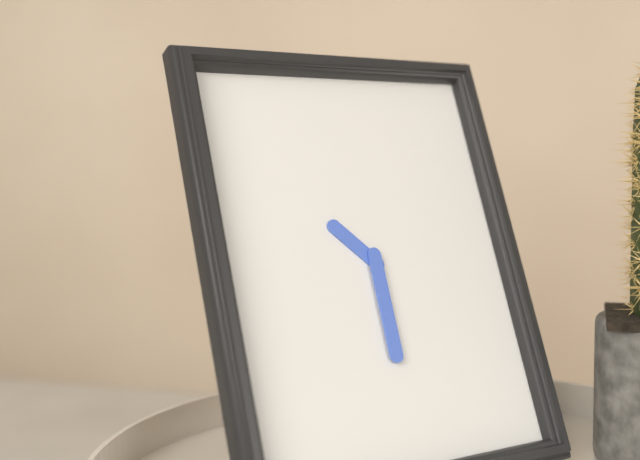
10:30
